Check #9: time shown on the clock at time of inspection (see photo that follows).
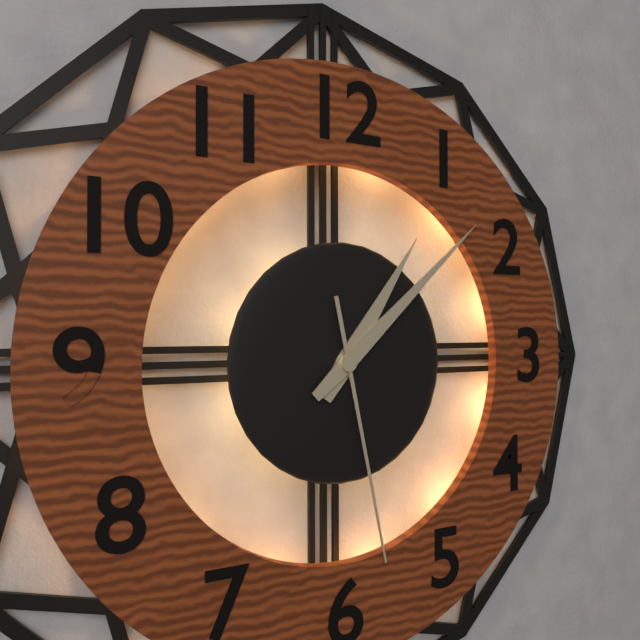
1:08:28
